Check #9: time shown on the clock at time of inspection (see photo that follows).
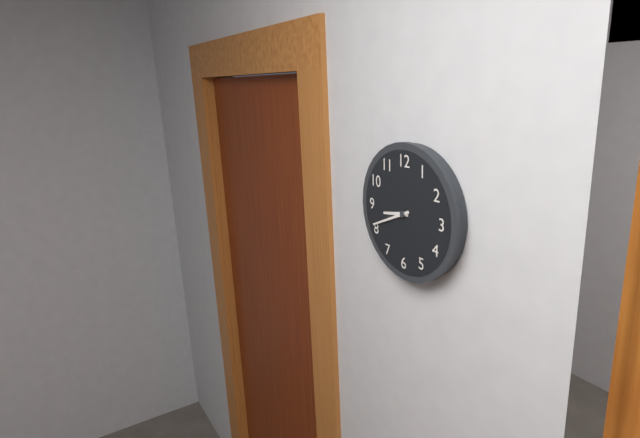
8:41
